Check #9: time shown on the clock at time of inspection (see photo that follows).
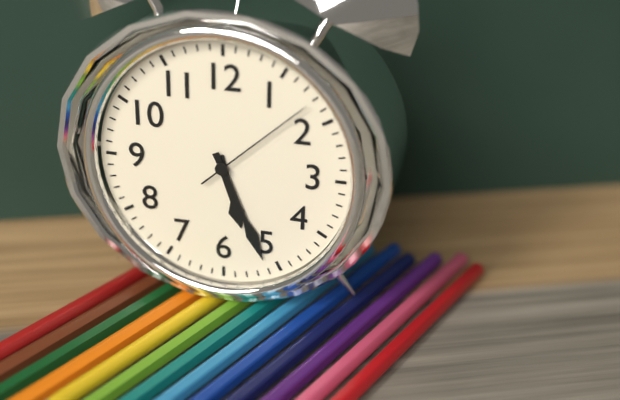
5:26:08
